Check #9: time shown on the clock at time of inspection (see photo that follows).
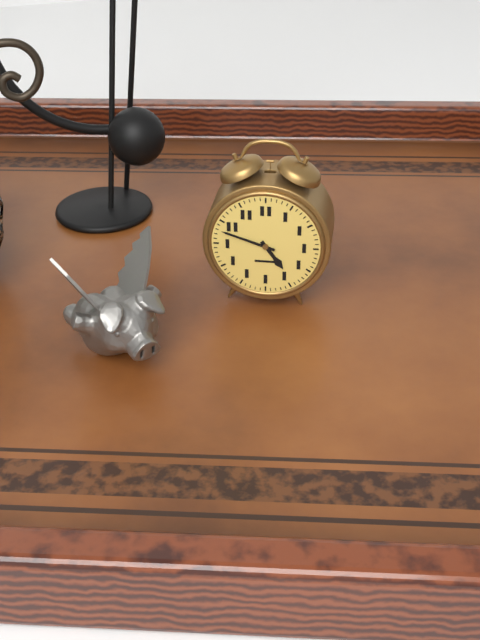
4:48
